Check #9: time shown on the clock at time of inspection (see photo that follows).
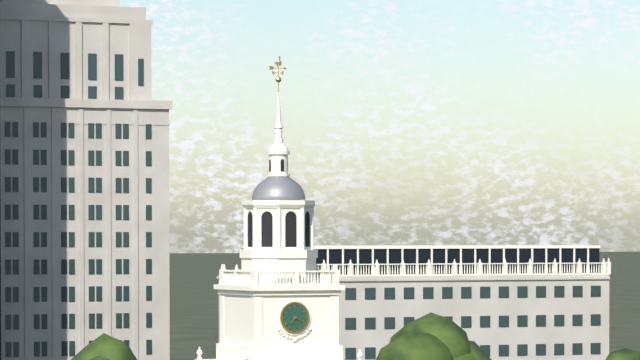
7:19
